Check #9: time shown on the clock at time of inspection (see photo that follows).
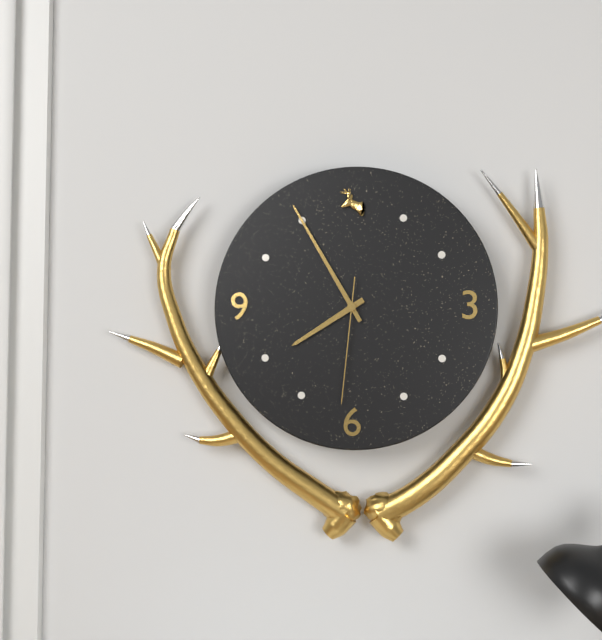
7:55:31
